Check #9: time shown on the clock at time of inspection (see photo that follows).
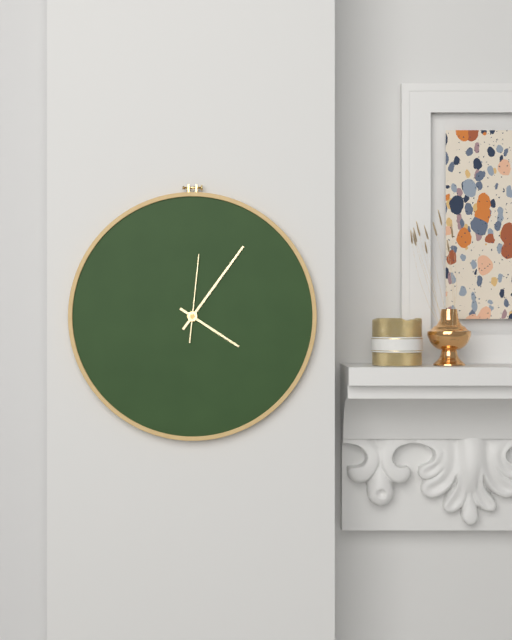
4:06:01
